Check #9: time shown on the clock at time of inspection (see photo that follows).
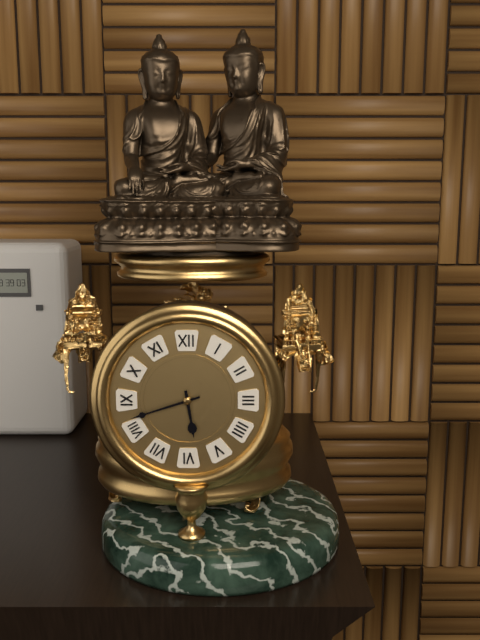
5:42
